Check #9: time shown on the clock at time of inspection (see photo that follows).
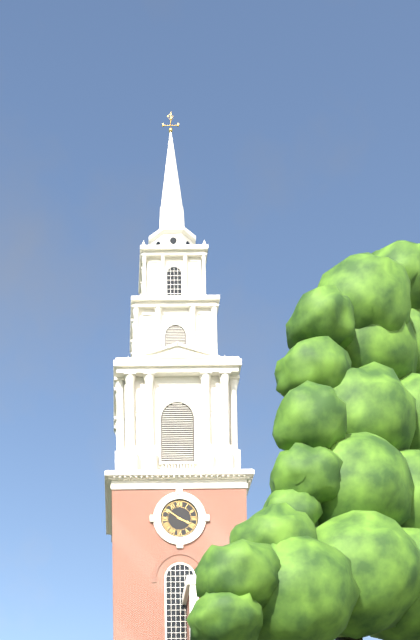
3:51
